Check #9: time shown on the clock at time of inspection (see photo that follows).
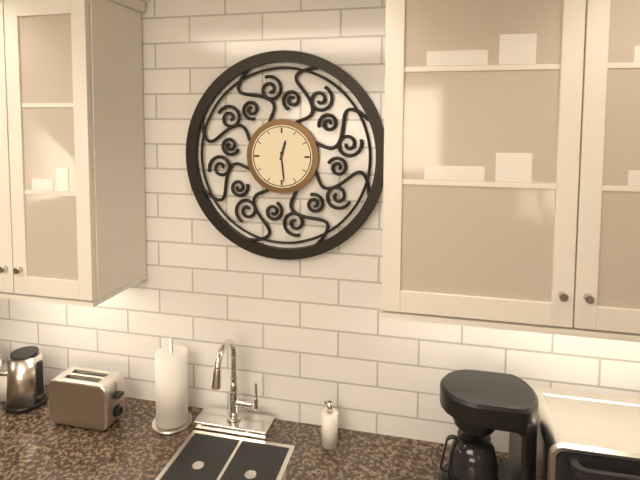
12:29
